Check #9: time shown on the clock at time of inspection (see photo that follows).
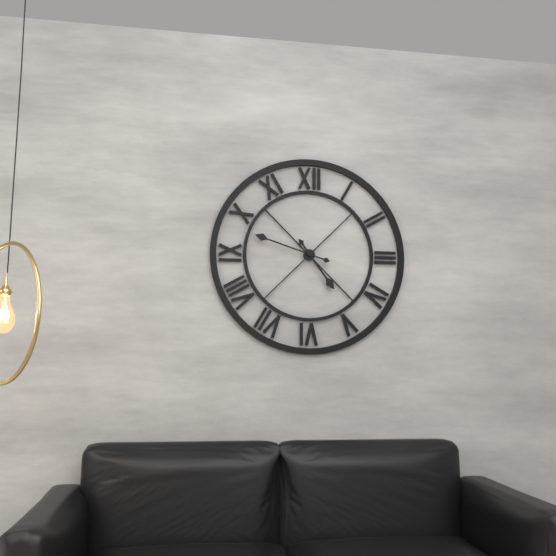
4:48
